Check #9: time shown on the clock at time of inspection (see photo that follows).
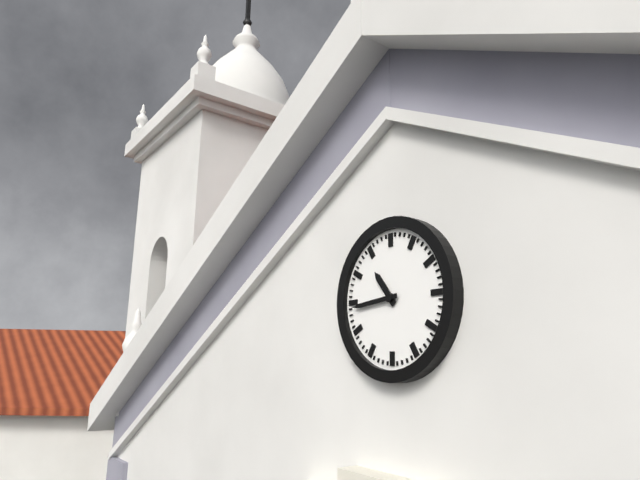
10:44
